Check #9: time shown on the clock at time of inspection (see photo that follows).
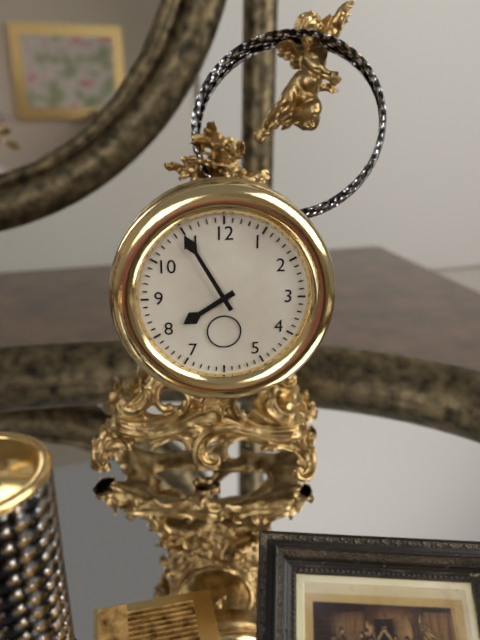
7:55
